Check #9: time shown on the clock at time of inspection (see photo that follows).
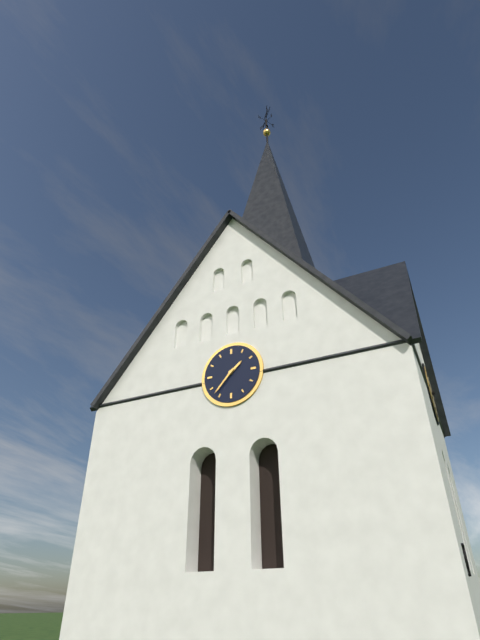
1:37
